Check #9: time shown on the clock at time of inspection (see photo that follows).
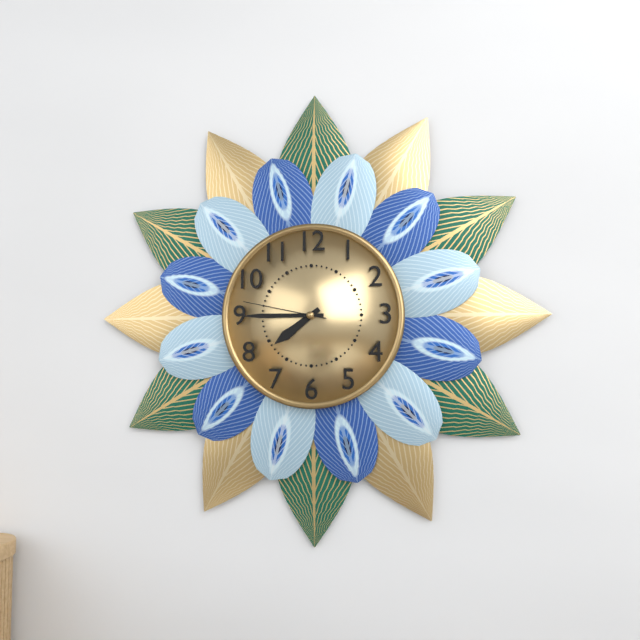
7:45:47
